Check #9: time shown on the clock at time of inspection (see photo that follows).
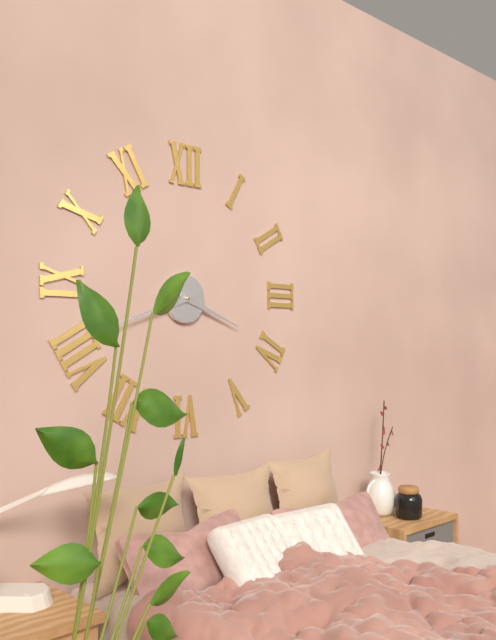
3:42
